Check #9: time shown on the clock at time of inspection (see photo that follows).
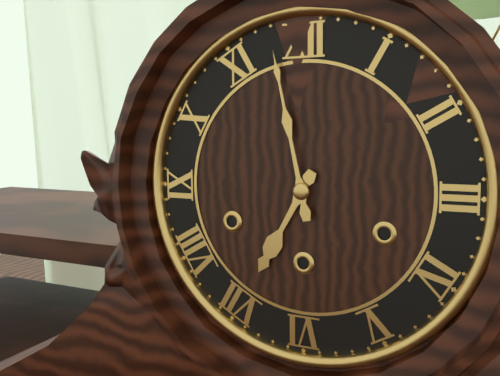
6:58
